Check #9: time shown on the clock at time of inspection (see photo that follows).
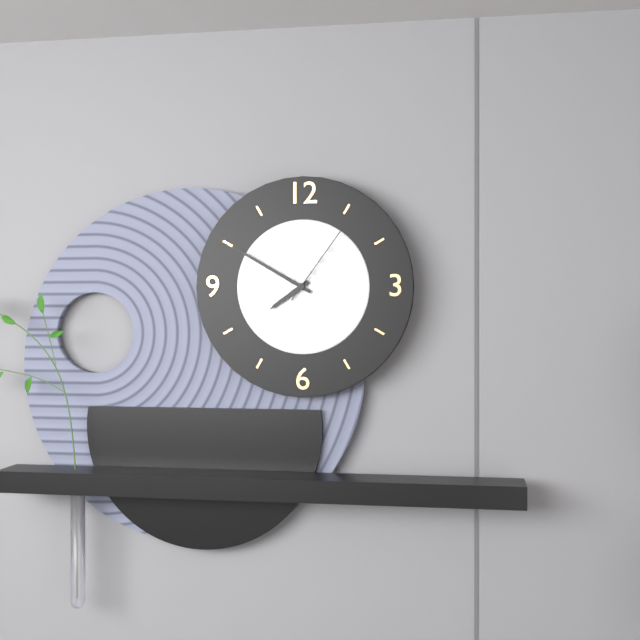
7:50:06
